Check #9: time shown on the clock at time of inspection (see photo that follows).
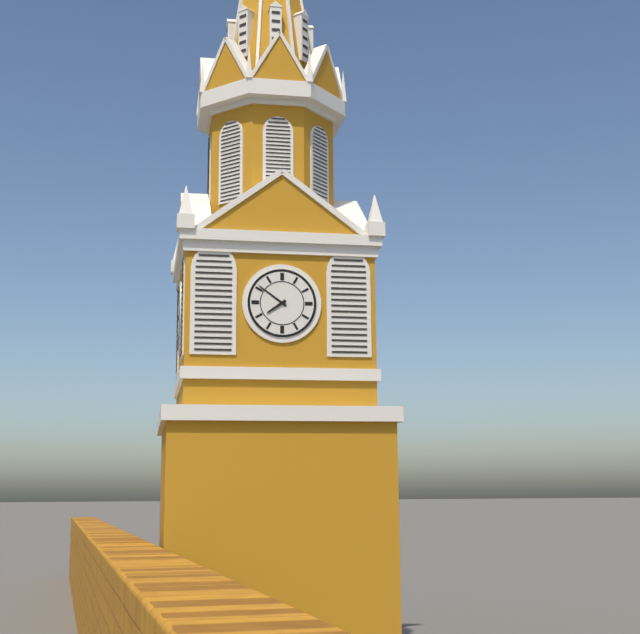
7:51
